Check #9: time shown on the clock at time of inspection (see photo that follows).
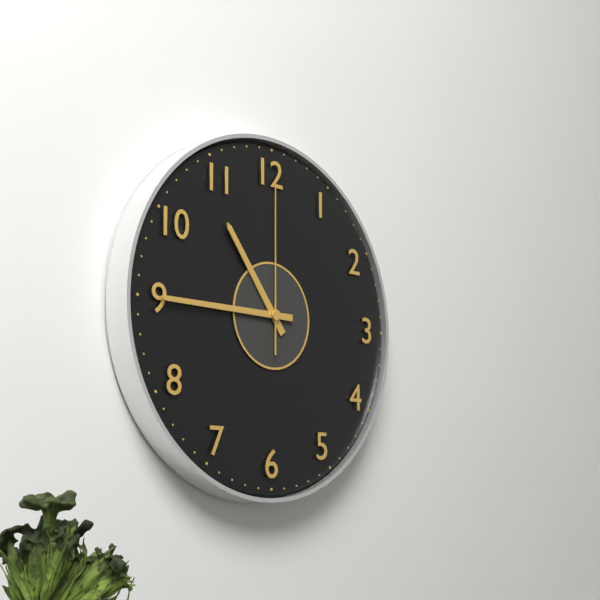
10:45:00
